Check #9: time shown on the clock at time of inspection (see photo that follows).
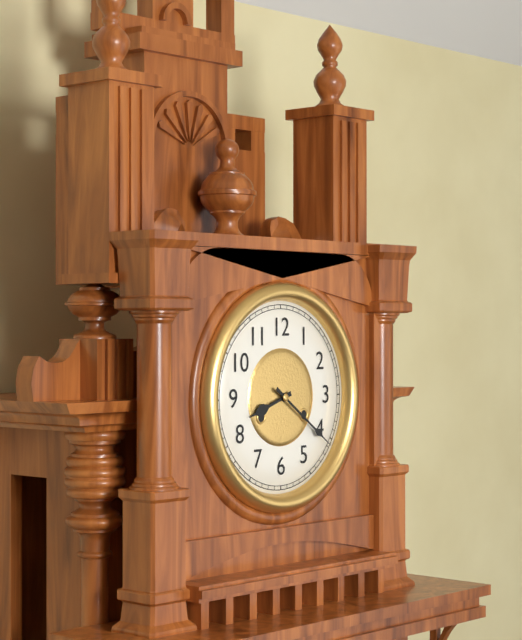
8:21
